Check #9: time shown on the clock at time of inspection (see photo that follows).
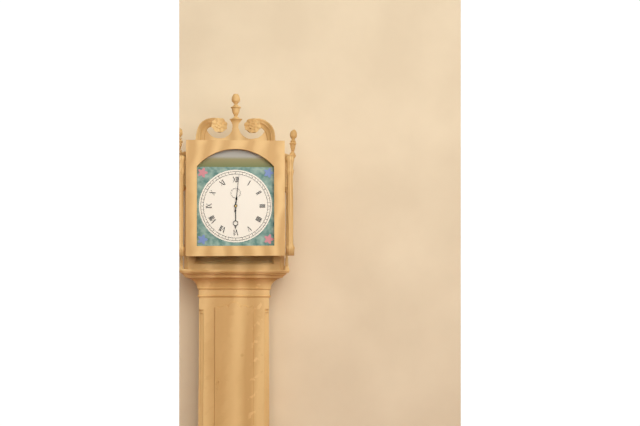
6:01
